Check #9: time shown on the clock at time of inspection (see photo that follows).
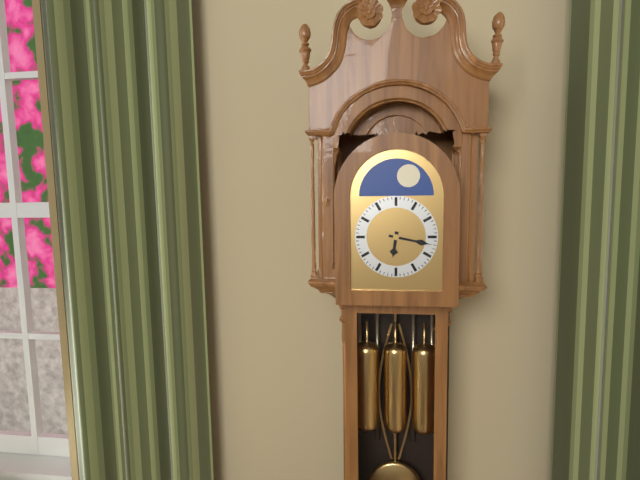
6:17
